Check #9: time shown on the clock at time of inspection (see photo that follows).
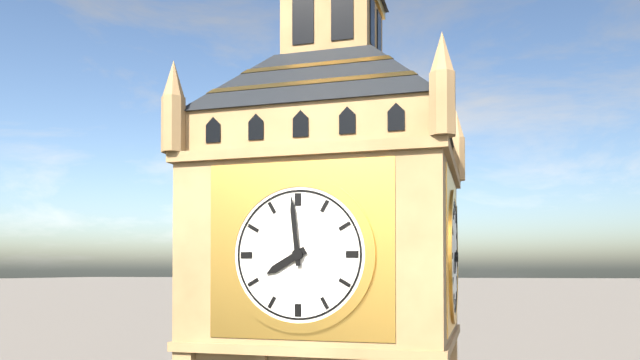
7:59
